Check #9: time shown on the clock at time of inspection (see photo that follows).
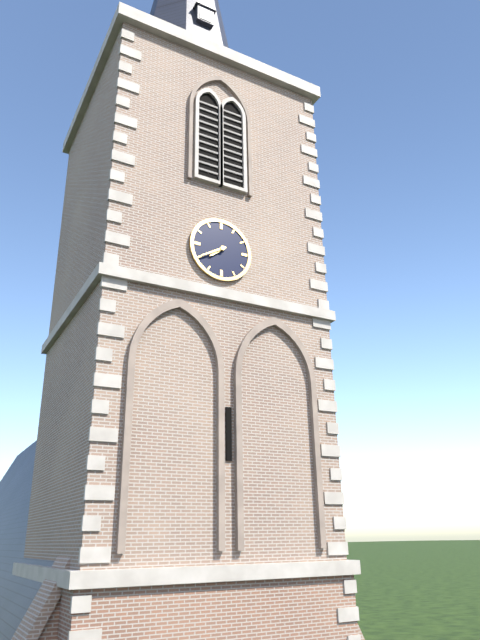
7:40
